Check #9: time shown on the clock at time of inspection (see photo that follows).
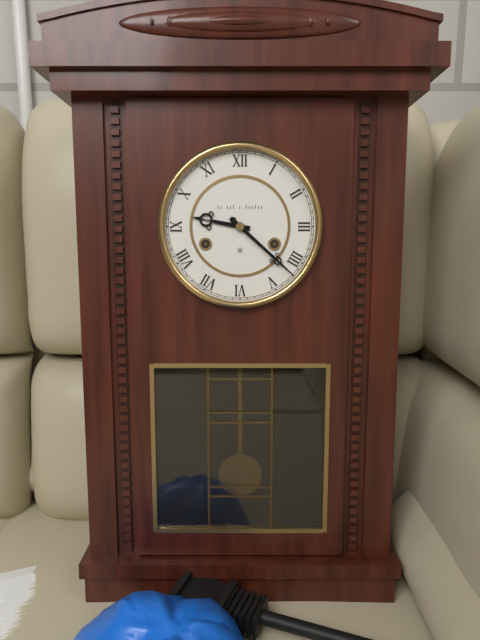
9:22
